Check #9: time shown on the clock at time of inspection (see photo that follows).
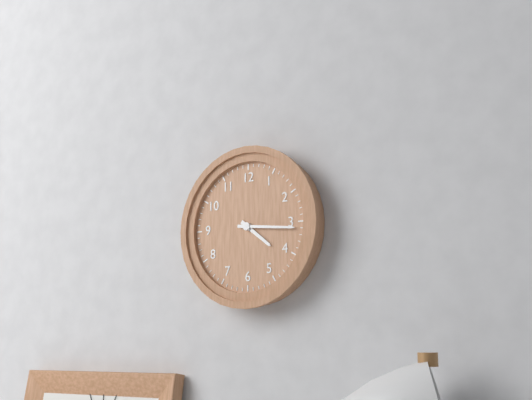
4:16
